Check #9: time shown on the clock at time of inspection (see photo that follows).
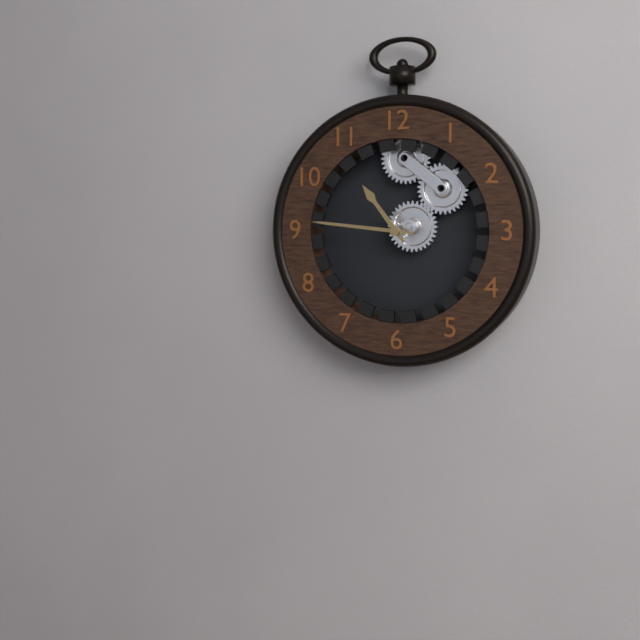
10:46
